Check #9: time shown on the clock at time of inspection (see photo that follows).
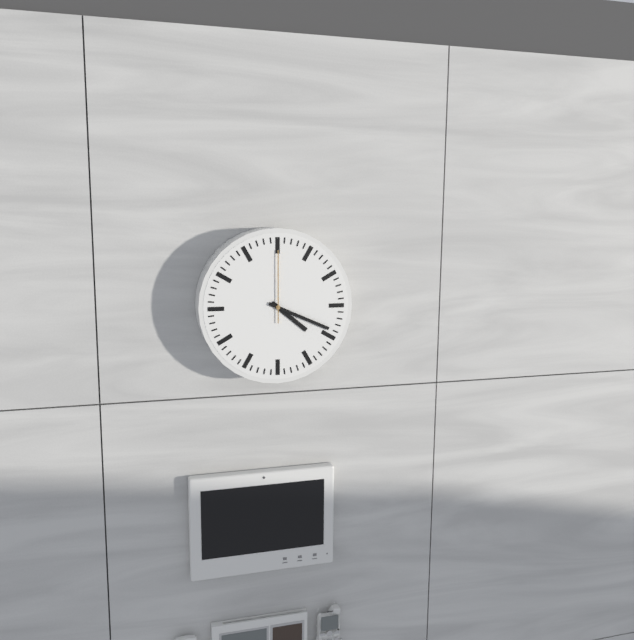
4:19:00
